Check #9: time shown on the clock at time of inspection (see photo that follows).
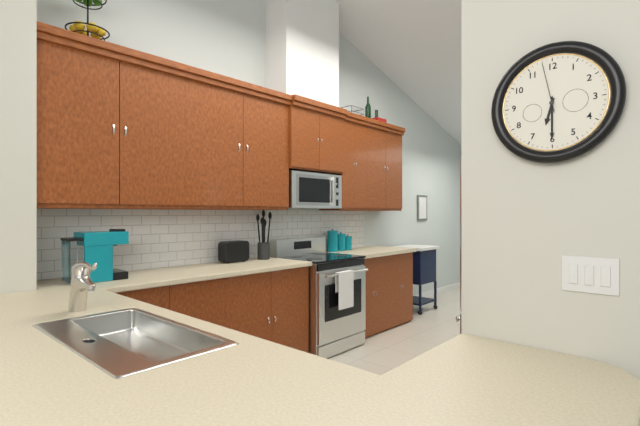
6:30:58
